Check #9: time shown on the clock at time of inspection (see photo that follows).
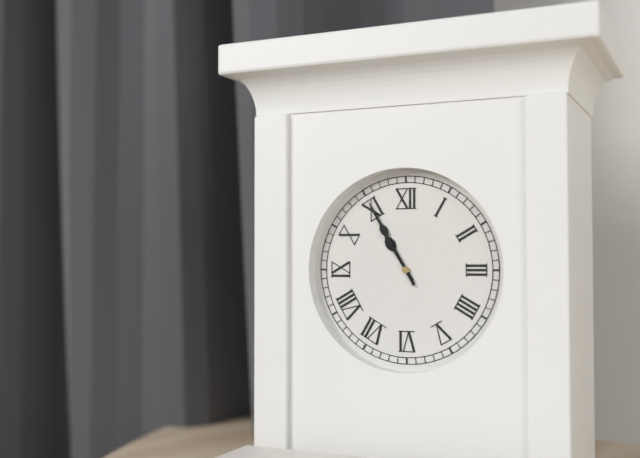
10:55
